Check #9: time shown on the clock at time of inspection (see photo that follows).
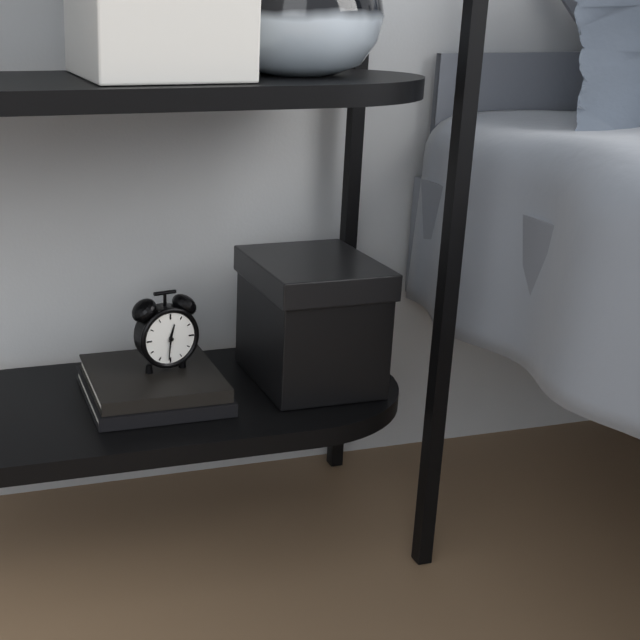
12:31
